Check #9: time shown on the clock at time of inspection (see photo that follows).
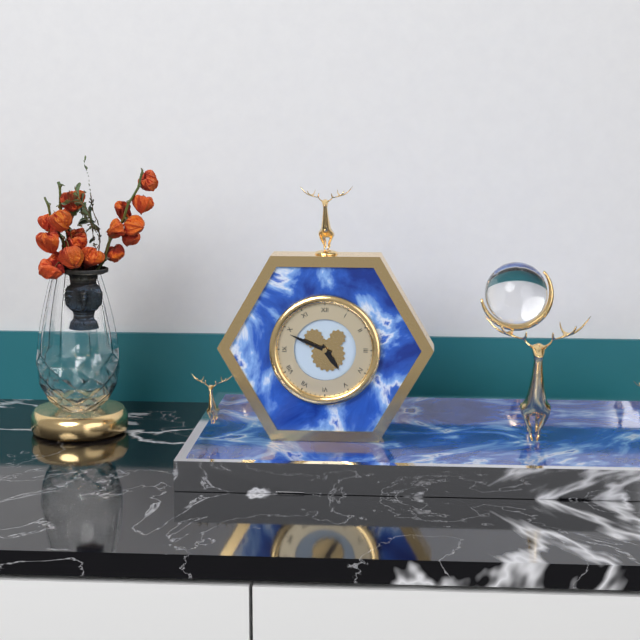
4:49
